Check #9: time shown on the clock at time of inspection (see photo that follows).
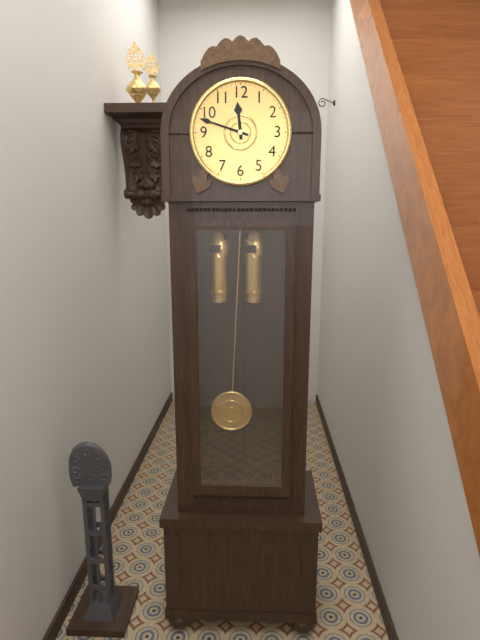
11:48
